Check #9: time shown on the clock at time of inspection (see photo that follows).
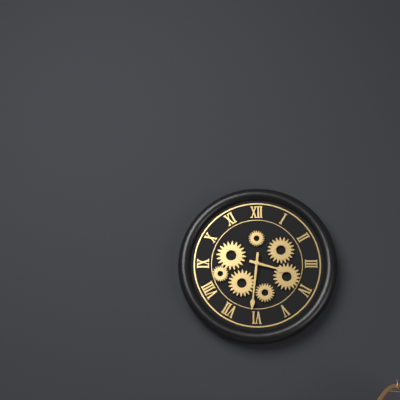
3:31
